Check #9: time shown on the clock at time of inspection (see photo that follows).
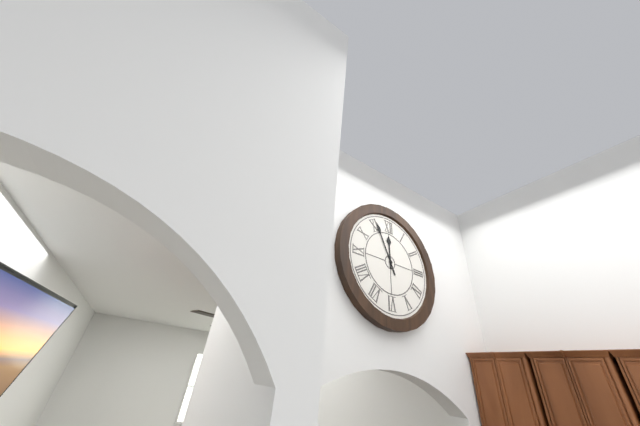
11:56
